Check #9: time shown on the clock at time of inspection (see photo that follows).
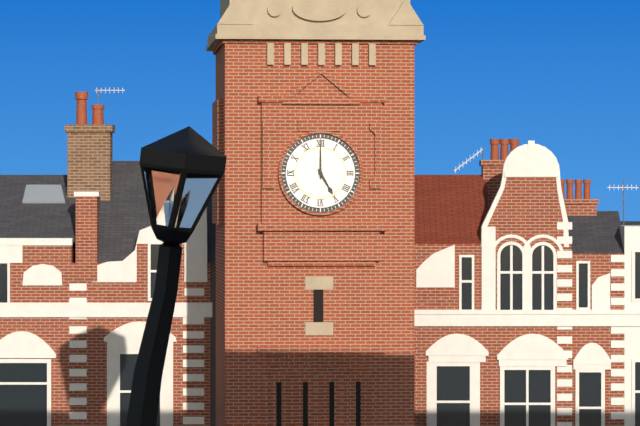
5:00
